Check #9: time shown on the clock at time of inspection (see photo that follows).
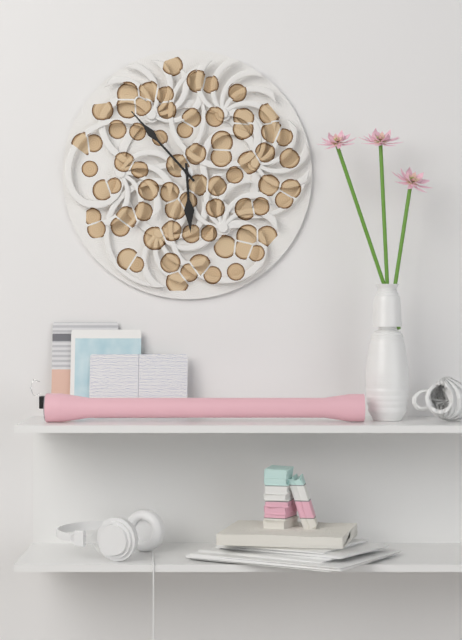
5:53
